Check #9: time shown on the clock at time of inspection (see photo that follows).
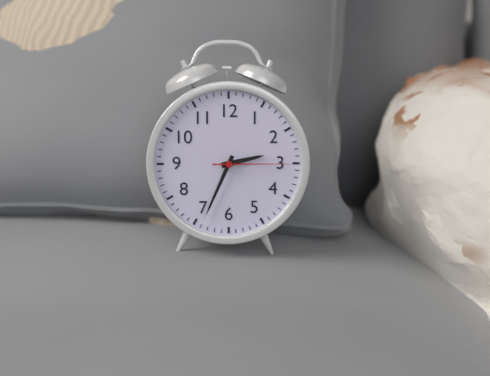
2:34:15
